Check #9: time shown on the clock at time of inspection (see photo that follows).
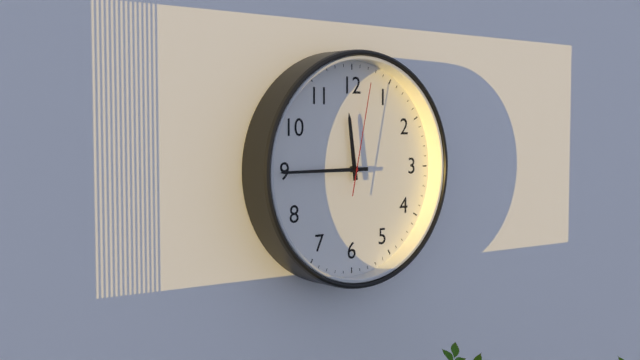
11:45:02
